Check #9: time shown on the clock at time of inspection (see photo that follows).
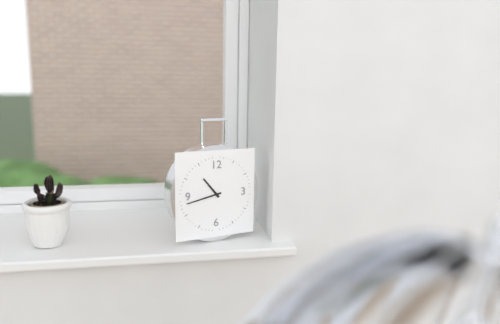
10:43
